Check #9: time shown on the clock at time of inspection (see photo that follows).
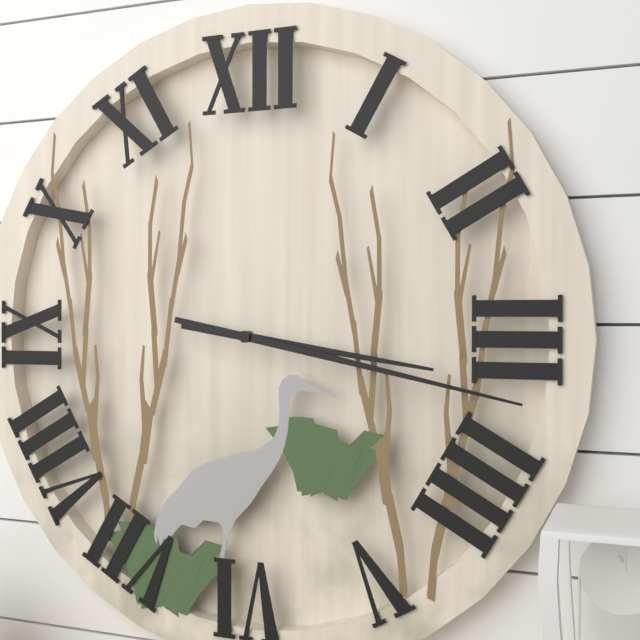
3:17
